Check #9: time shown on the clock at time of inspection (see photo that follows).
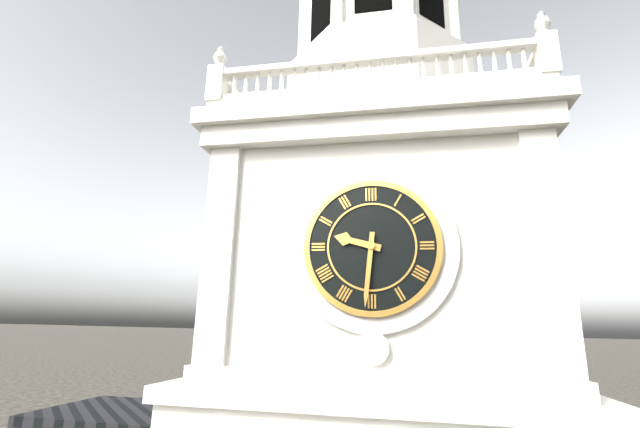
9:31
